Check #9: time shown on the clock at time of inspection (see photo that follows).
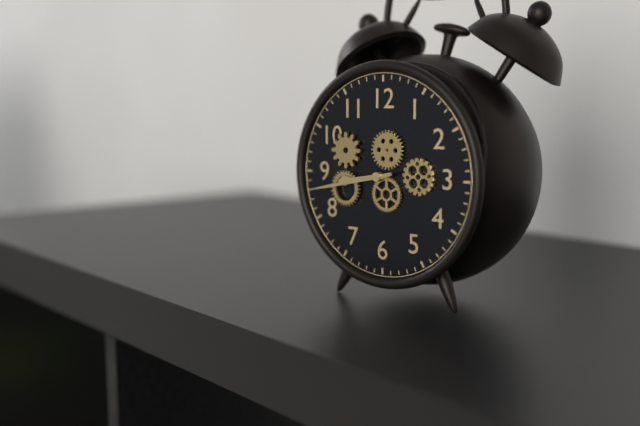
8:43
